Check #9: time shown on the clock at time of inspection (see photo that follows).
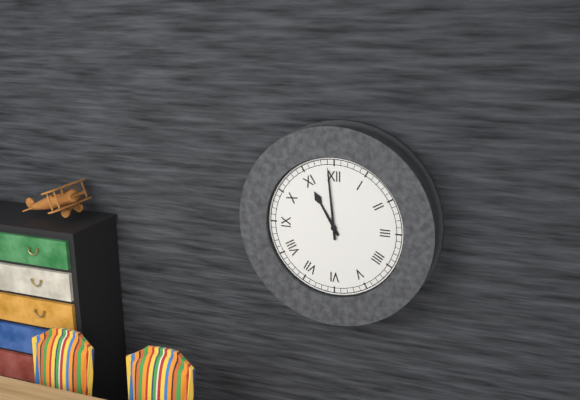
10:59
